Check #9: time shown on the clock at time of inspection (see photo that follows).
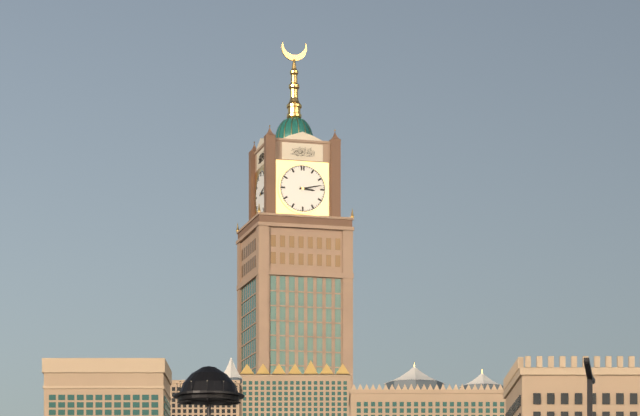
3:13
